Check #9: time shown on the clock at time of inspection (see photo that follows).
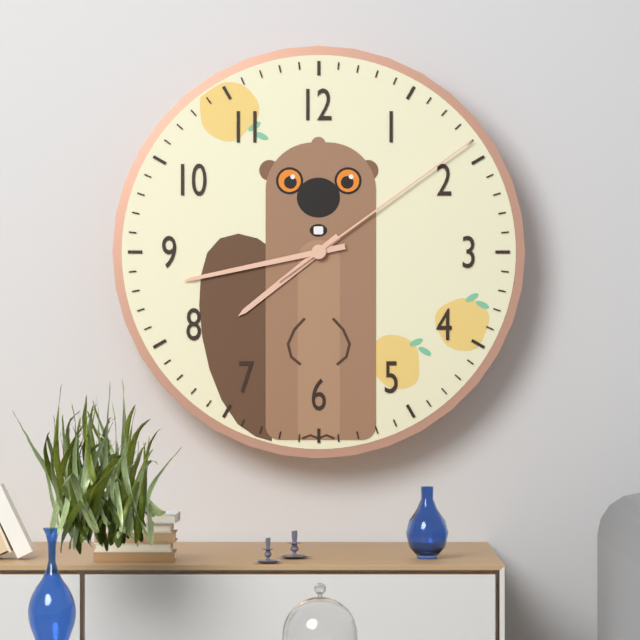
7:43:09
